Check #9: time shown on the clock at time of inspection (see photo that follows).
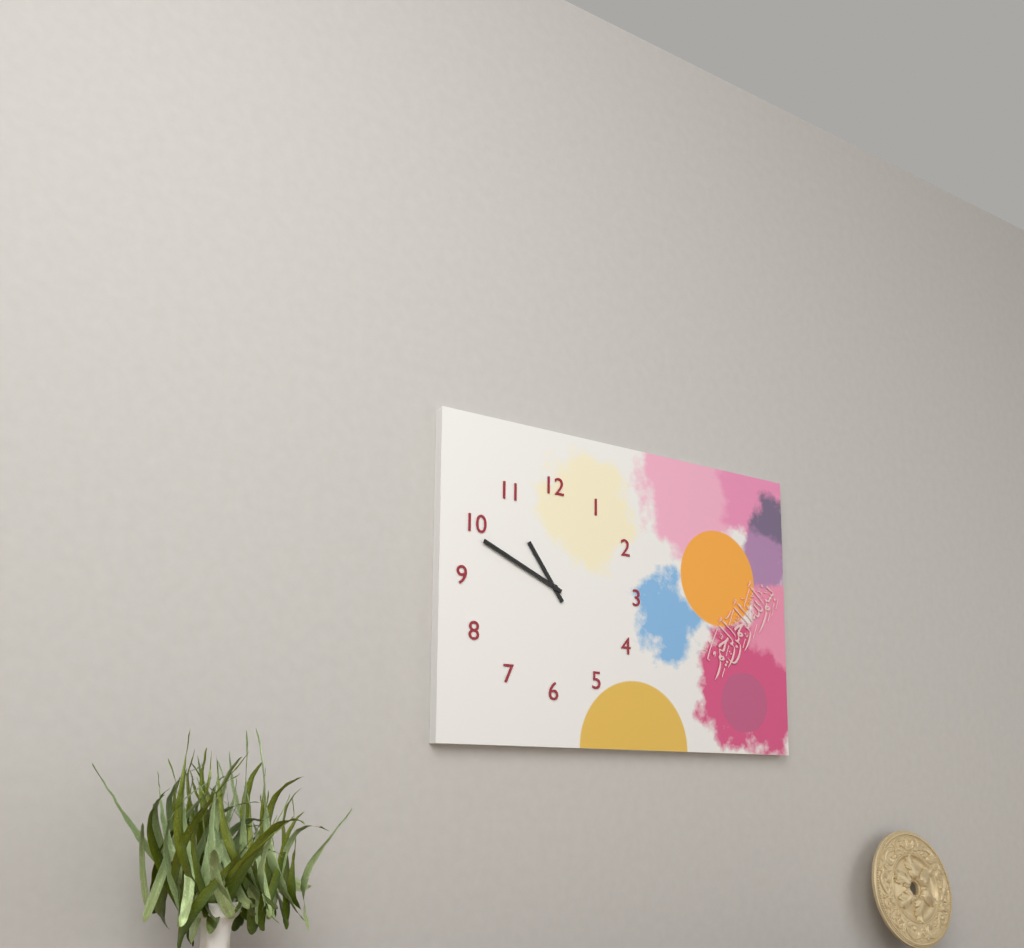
10:49
